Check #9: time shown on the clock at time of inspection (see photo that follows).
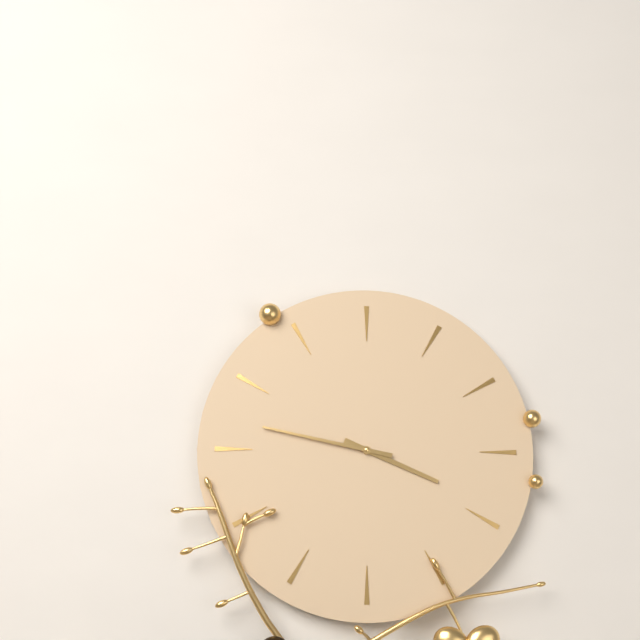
3:47
